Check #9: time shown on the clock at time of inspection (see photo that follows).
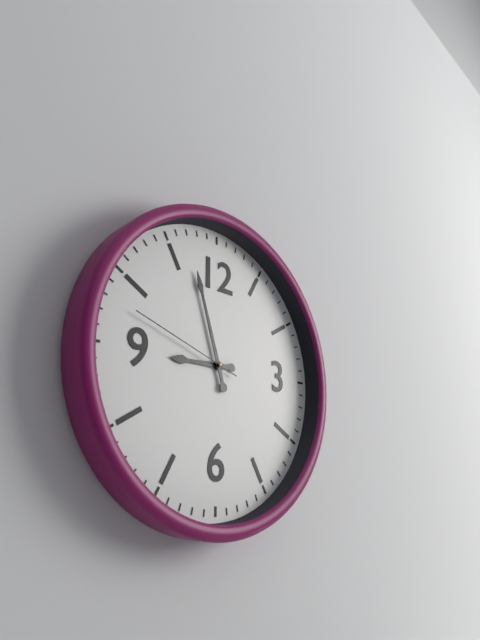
8:57:48
